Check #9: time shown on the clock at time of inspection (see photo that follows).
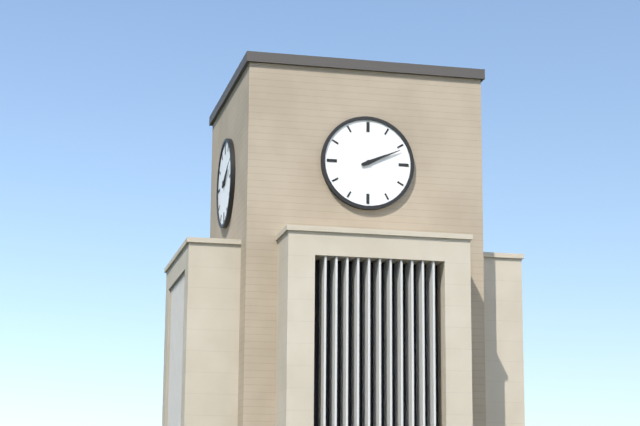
2:11
